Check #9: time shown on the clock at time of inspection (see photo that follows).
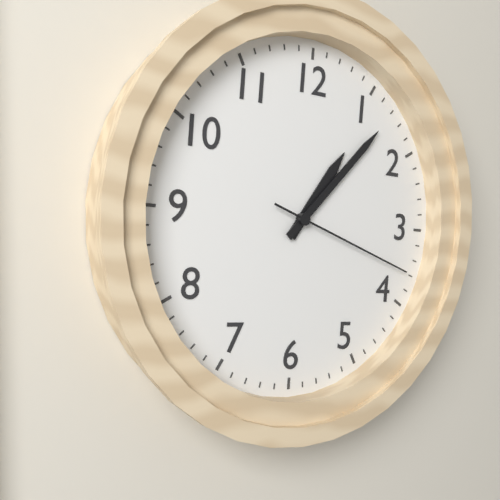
1:07:18
